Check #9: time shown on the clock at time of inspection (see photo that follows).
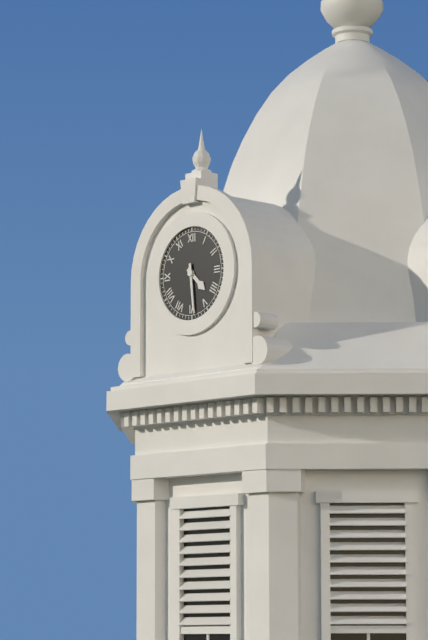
4:29
